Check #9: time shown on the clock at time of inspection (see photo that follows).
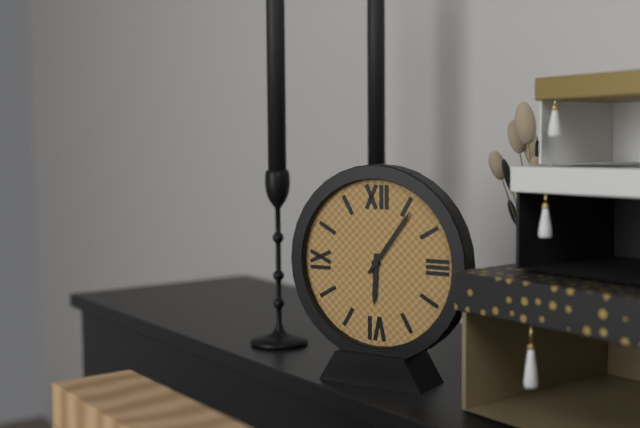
6:06
